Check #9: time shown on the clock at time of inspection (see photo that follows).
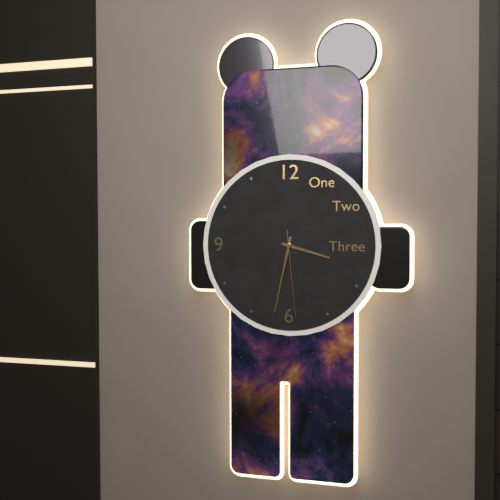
3:32:29
